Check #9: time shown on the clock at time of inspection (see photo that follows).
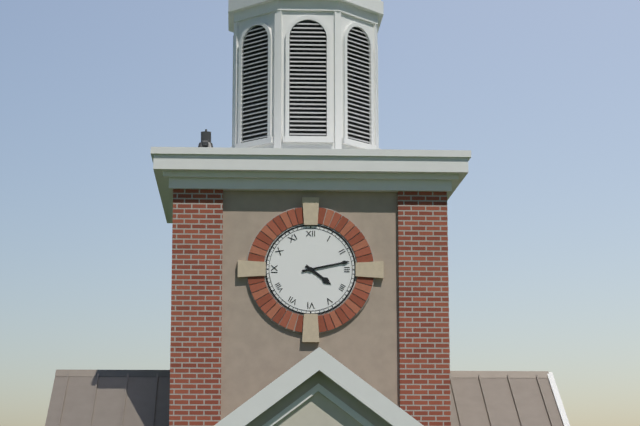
4:13
